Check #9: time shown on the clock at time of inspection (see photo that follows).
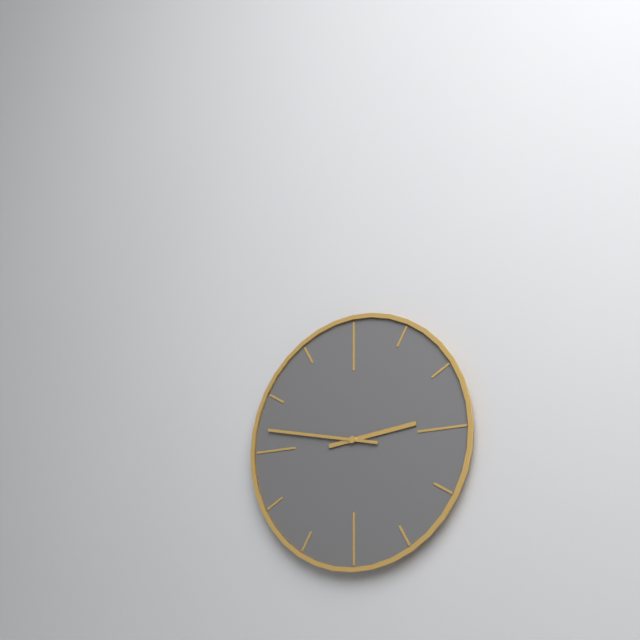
2:47
